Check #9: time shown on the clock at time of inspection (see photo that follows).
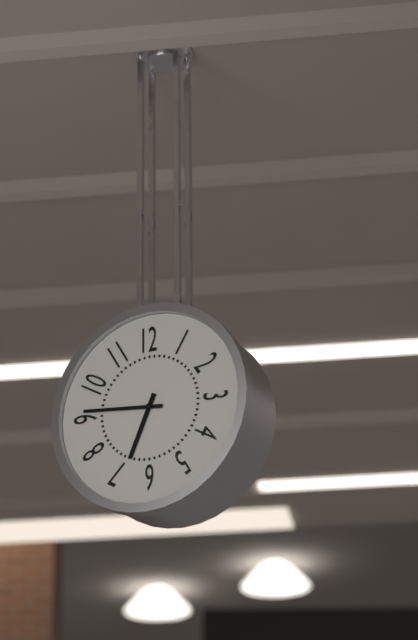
6:46
